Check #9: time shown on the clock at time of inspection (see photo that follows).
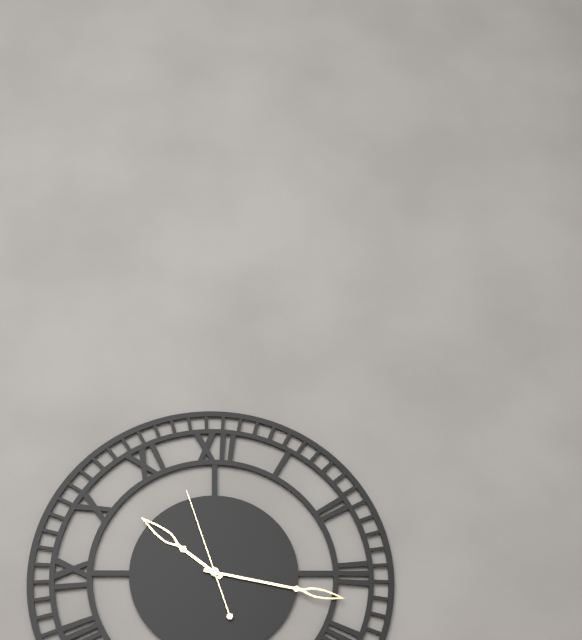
10:17:57
